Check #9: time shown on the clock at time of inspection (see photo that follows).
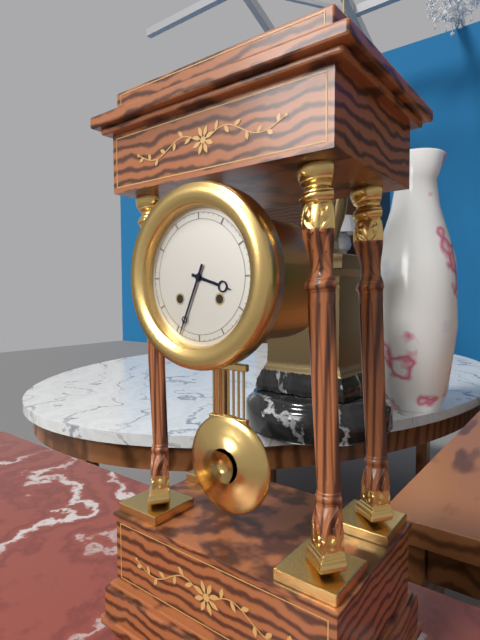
3:34
